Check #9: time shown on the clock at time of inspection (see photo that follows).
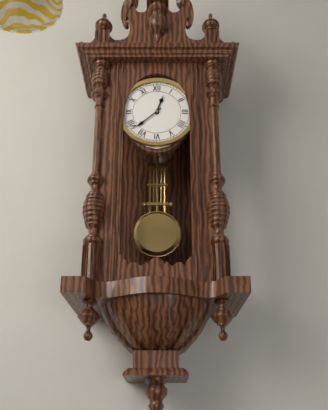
12:38
